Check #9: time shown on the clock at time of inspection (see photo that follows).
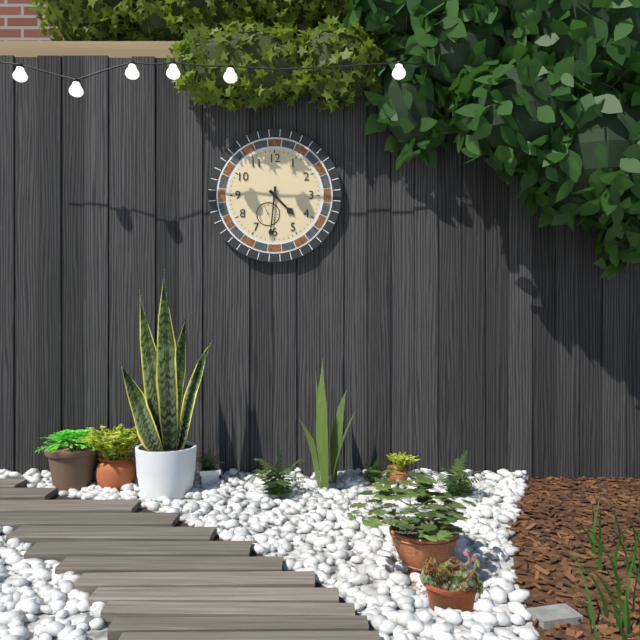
4:31
